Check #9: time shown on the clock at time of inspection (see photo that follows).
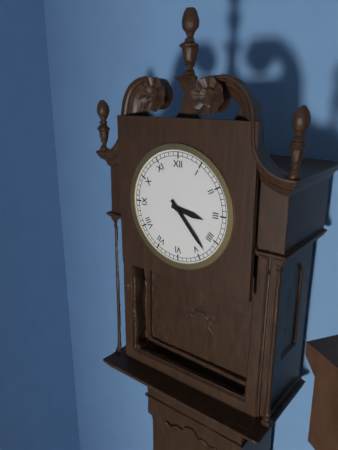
3:23
